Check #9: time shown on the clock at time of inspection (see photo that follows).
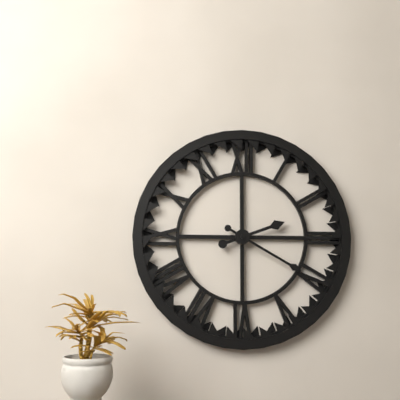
2:20
